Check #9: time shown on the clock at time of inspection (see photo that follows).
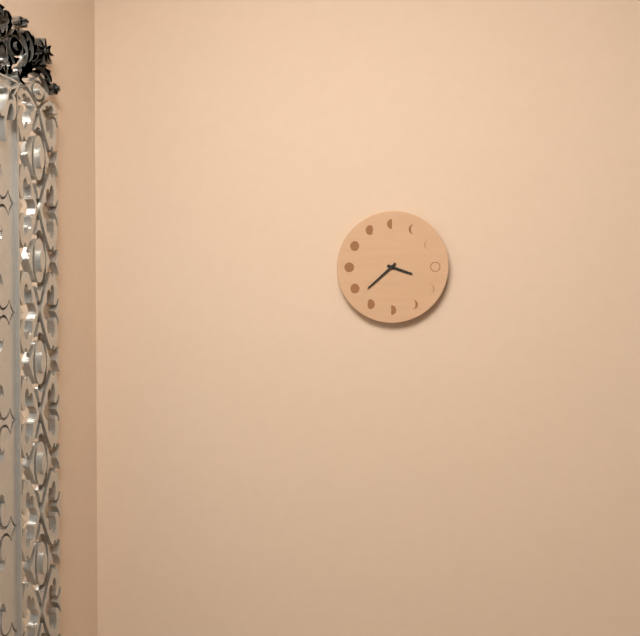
3:38
